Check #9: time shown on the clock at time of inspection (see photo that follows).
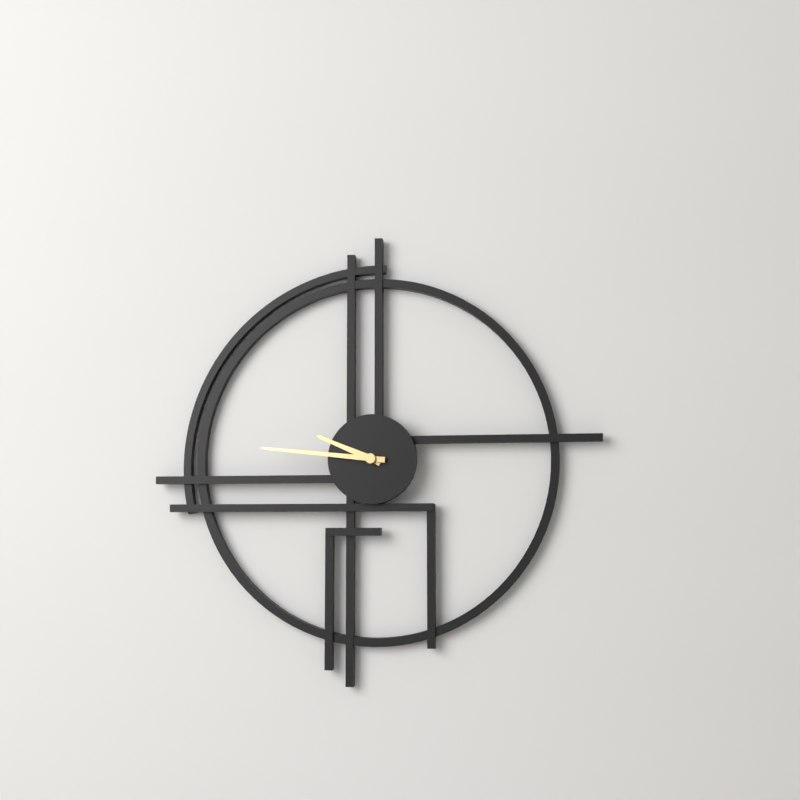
9:46
